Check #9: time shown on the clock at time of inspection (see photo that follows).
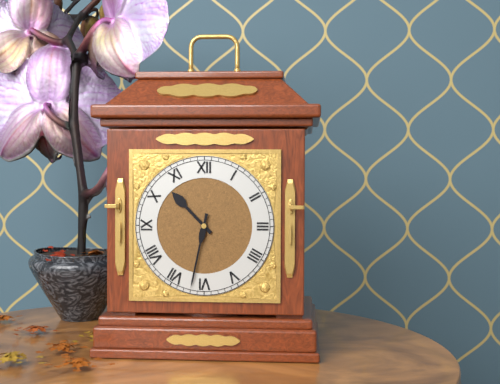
10:32
